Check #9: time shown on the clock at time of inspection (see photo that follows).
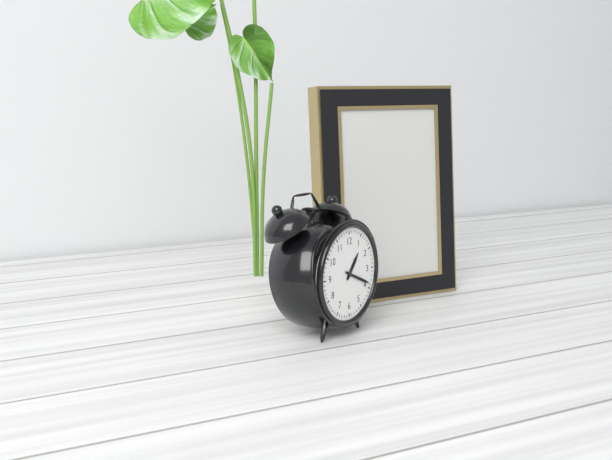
1:19
